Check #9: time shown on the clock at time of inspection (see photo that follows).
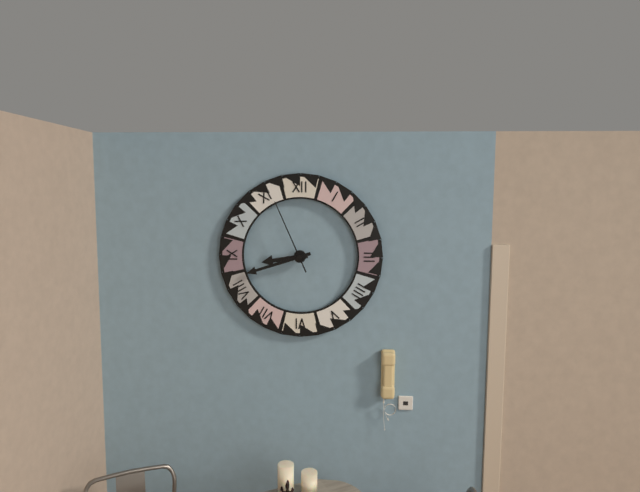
8:42:56
